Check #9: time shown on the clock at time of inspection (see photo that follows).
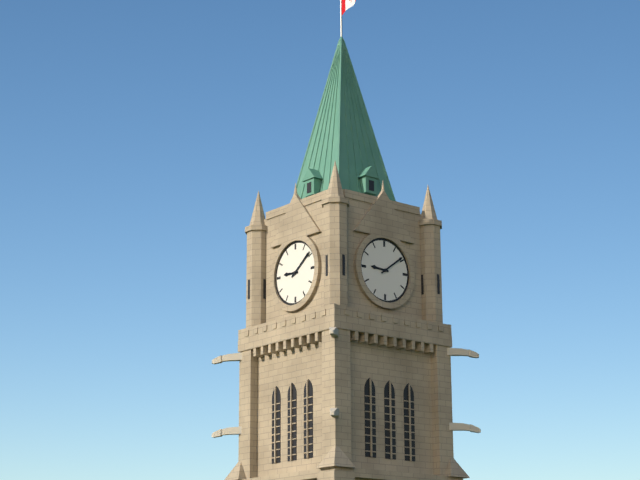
9:09
